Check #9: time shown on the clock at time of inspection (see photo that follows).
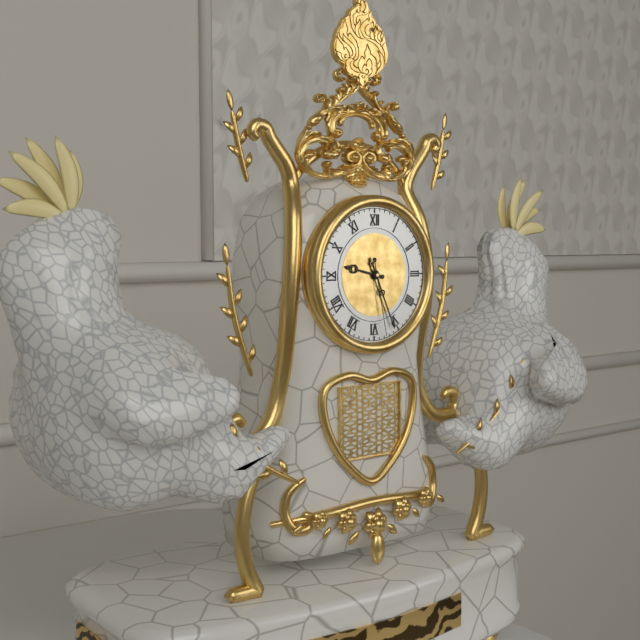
9:26:28
